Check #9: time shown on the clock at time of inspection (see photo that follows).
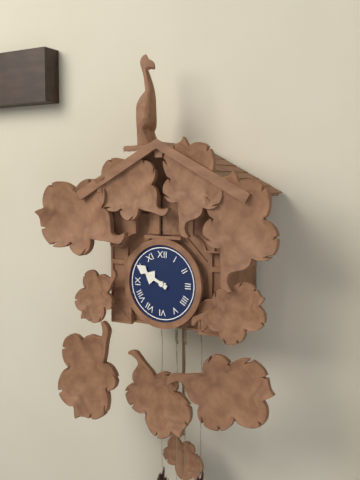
9:50
